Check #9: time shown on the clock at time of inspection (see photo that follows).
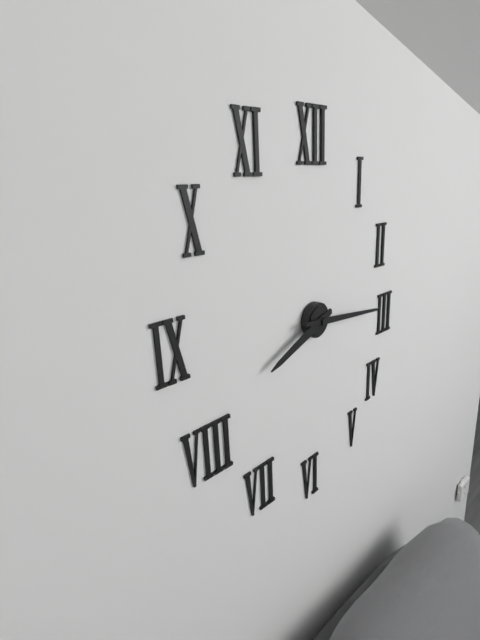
8:16
